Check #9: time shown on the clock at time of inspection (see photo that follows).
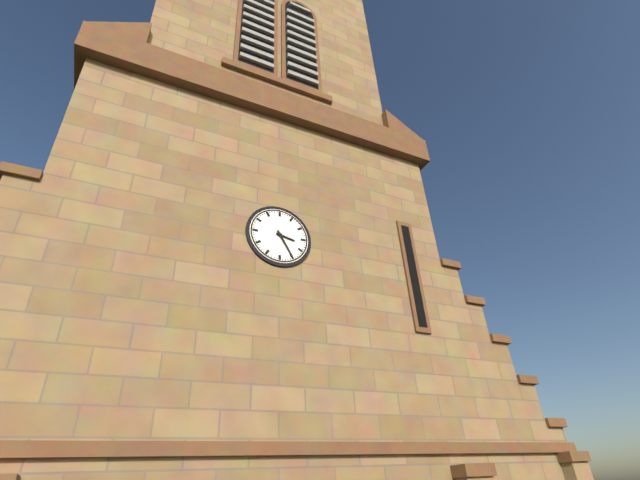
3:25
